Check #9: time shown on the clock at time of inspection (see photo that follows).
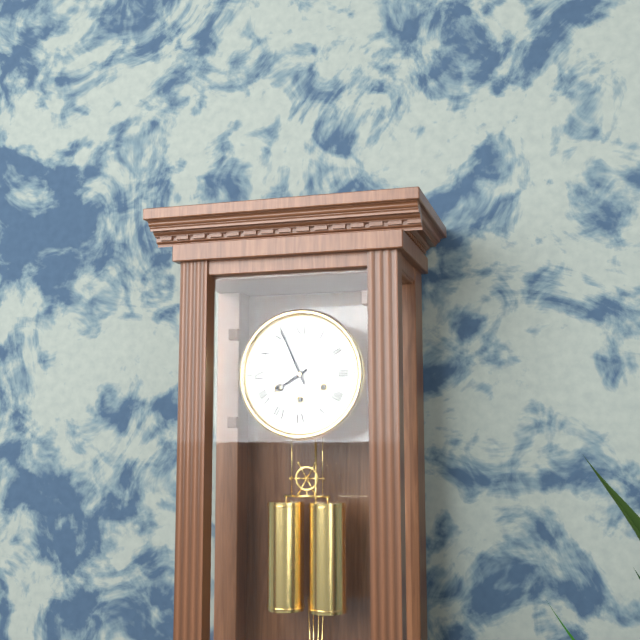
7:56
